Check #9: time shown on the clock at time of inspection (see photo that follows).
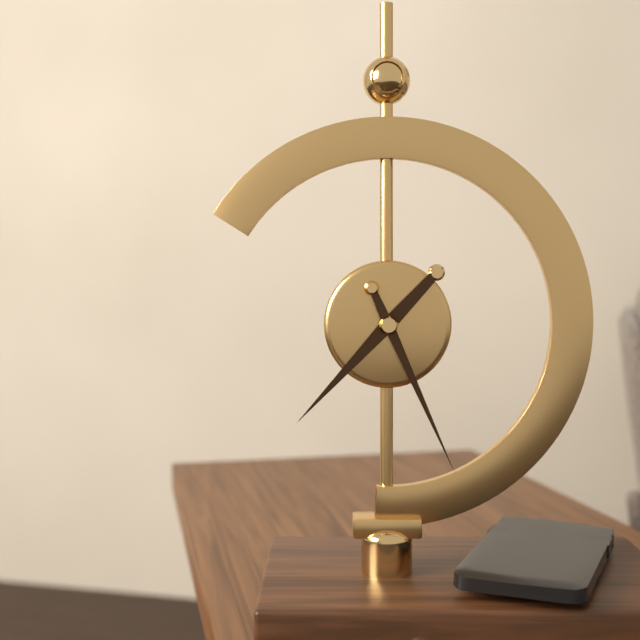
7:26
